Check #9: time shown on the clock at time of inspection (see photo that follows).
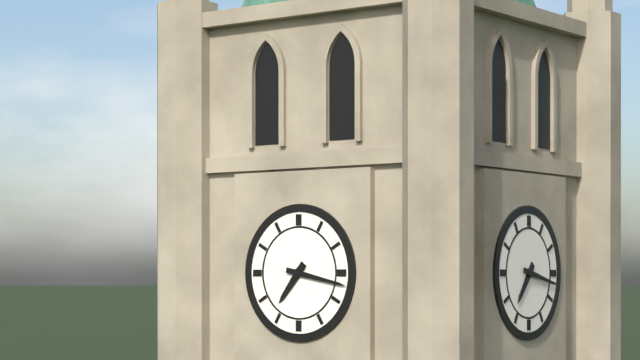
7:17
